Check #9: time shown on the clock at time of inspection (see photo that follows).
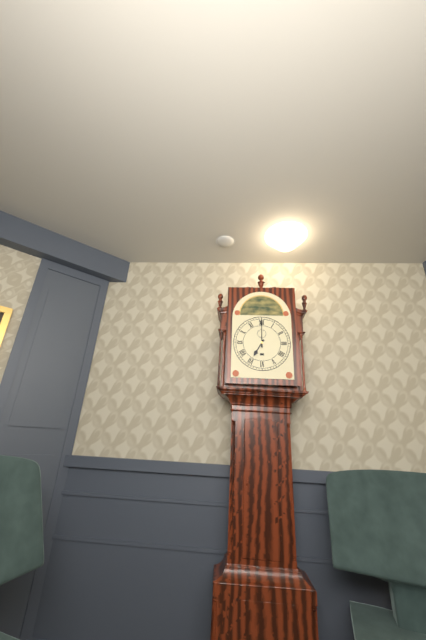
7:00
